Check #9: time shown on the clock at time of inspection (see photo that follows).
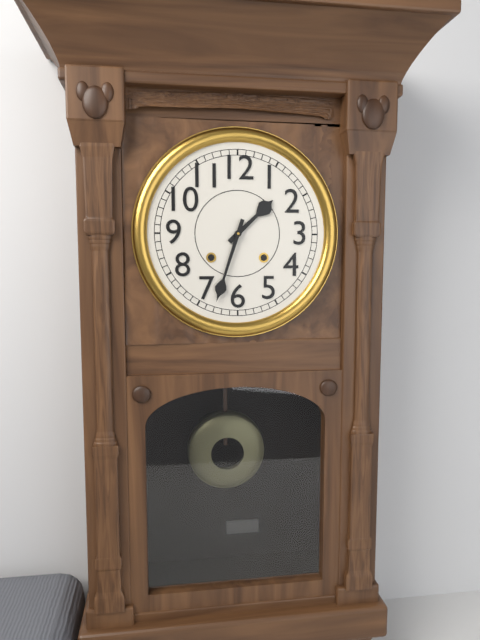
1:33
